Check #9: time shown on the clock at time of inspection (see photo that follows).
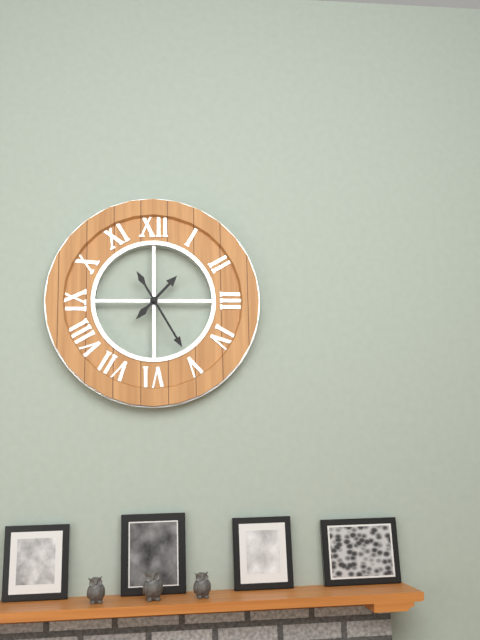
1:25
